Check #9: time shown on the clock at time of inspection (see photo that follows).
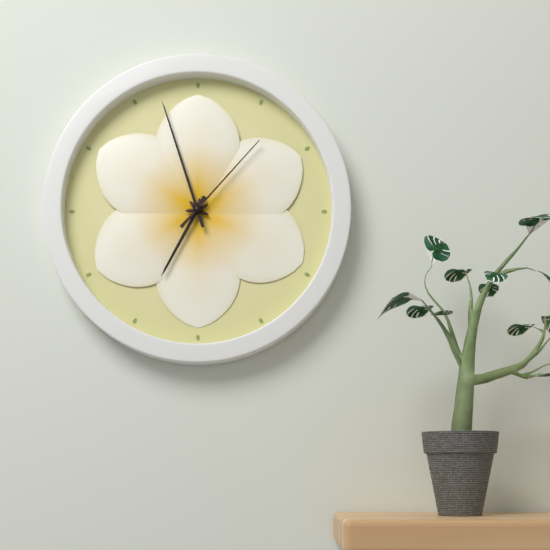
6:57:07
